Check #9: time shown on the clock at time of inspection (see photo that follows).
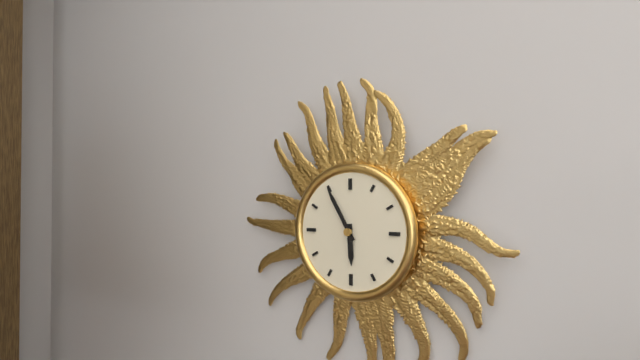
5:55
